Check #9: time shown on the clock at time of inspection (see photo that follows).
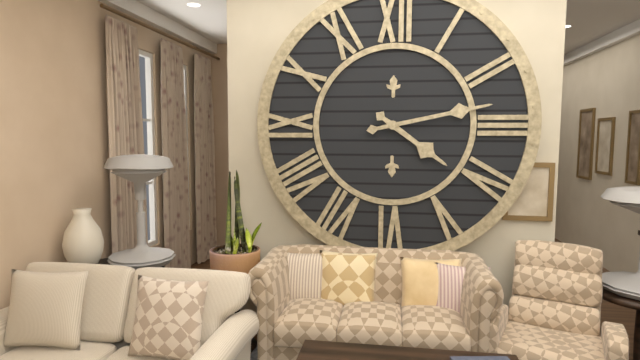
4:13
